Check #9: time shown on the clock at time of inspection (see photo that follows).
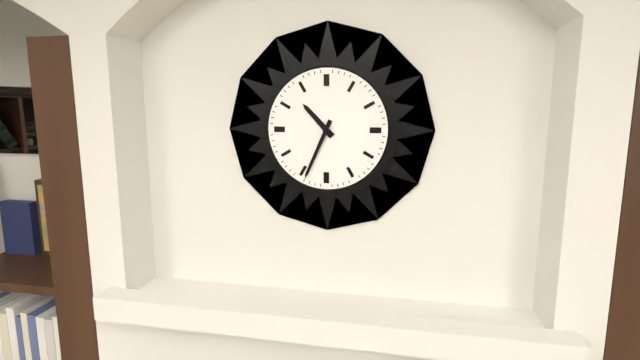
10:34
